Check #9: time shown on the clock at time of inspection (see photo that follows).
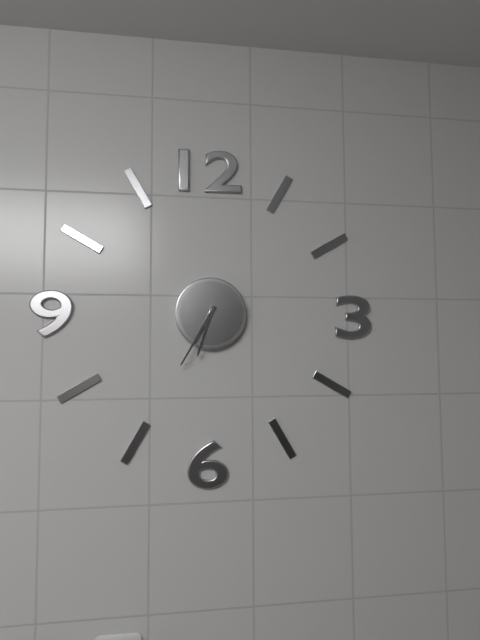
6:35
